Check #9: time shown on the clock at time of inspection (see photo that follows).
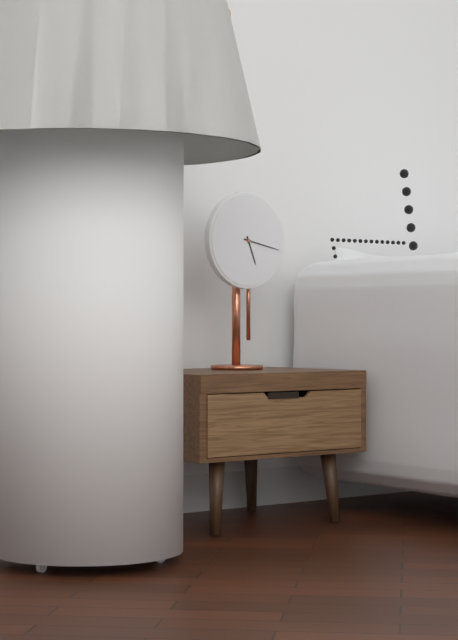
5:17
